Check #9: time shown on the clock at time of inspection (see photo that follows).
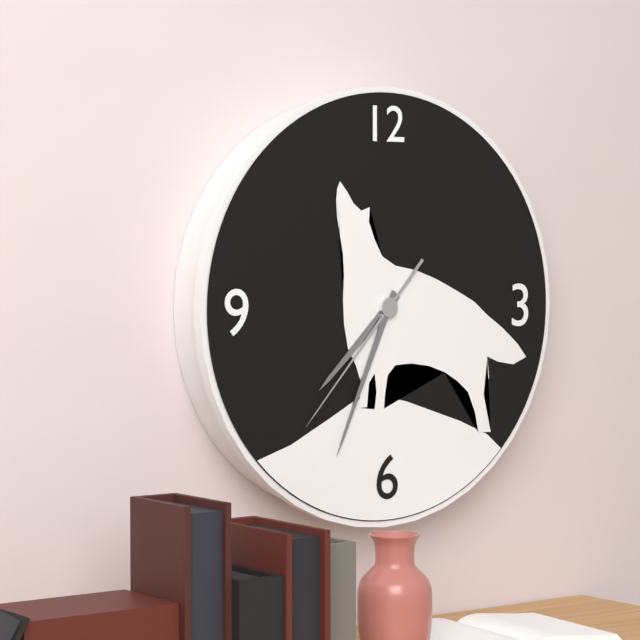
7:34:37
